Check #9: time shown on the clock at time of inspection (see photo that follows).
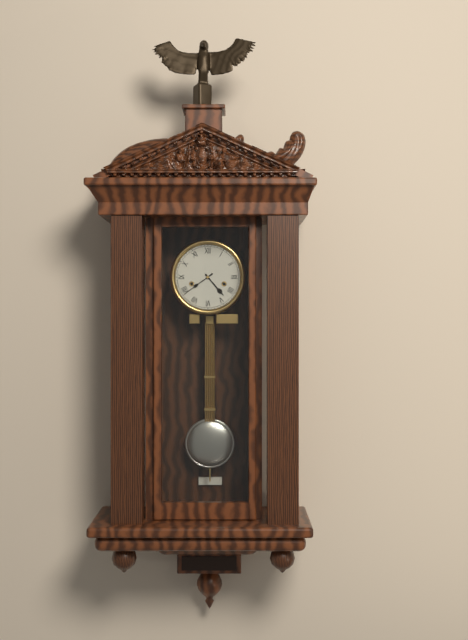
4:39
